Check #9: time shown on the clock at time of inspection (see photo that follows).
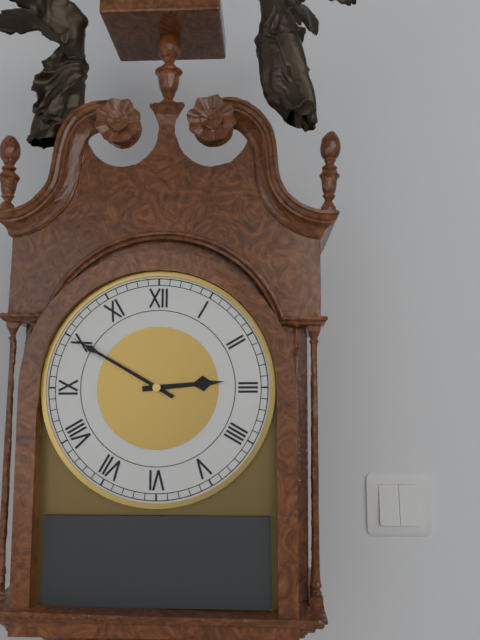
2:50
